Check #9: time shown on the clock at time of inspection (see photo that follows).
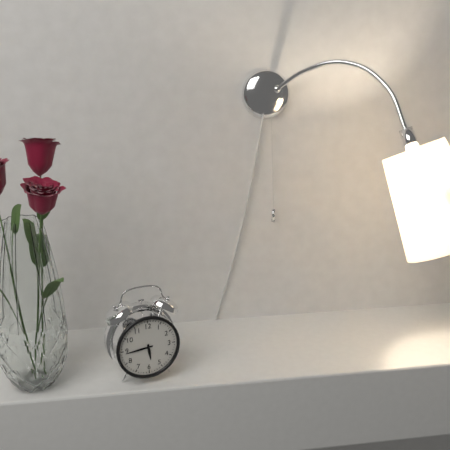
5:44
